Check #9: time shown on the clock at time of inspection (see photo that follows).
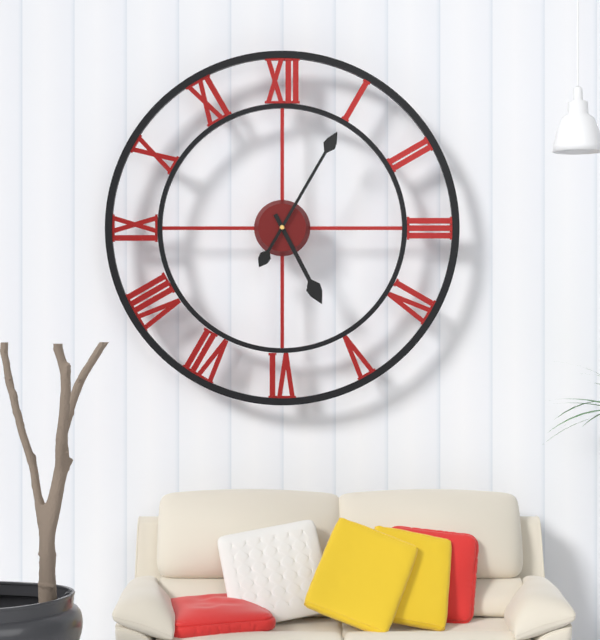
5:05
